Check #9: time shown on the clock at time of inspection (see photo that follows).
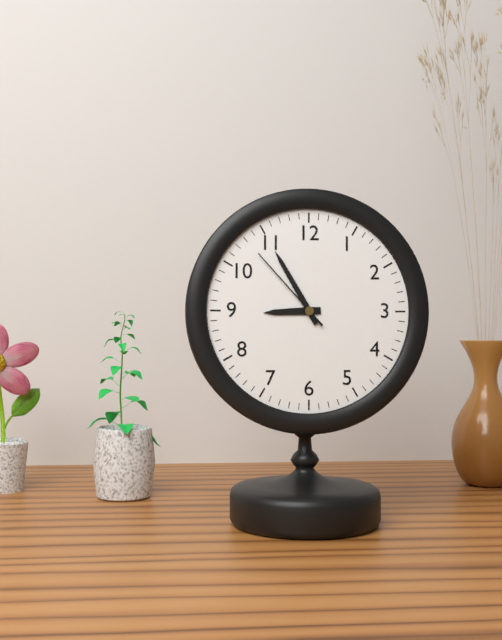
8:55:53
